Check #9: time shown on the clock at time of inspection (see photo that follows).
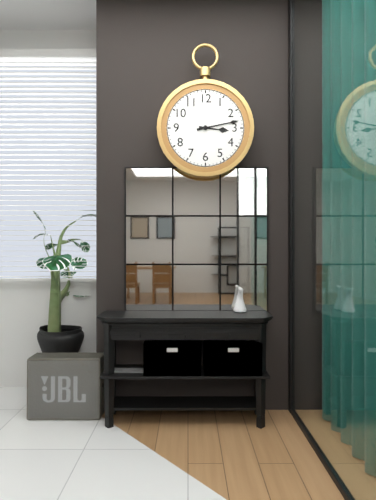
3:13
